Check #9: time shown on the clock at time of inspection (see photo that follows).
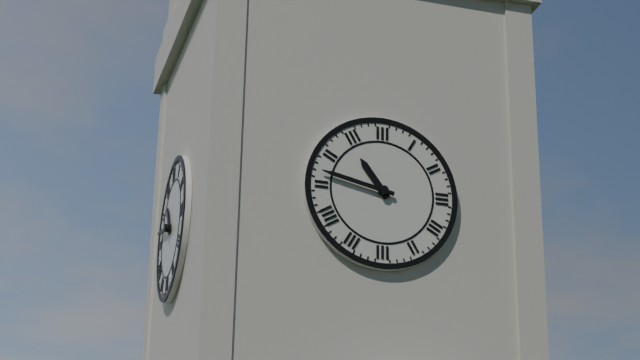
10:47
